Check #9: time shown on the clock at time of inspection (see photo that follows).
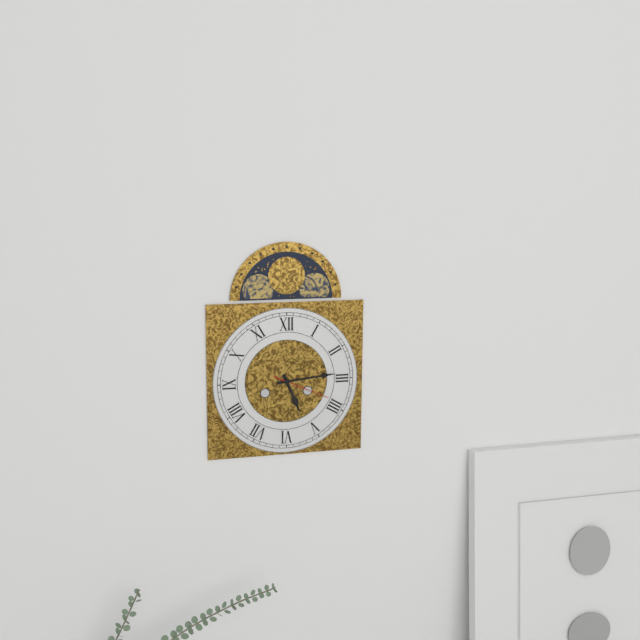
5:14:19
